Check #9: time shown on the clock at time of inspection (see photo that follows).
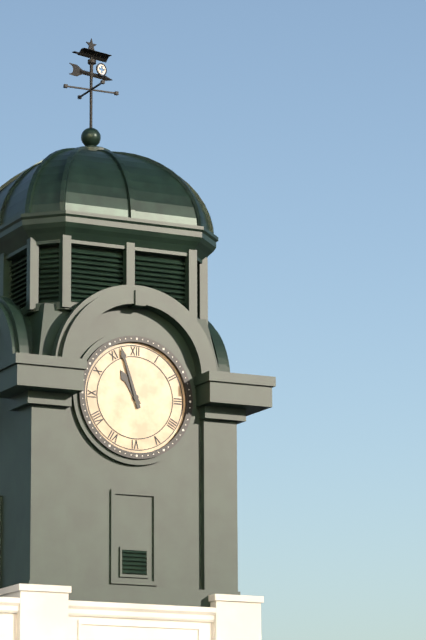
10:57
